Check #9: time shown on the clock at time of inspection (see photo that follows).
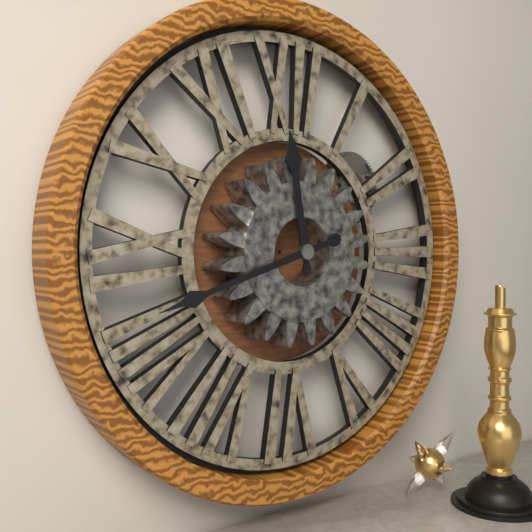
11:42
